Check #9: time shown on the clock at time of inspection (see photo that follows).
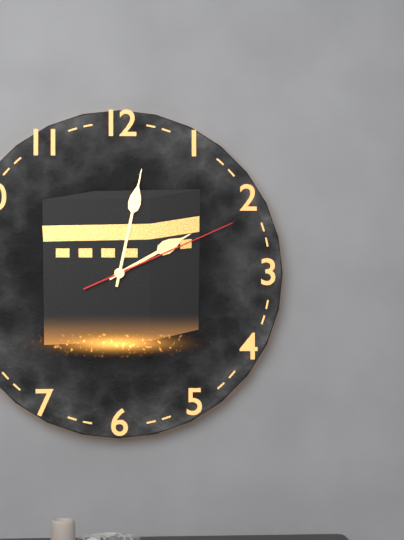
2:02:11
